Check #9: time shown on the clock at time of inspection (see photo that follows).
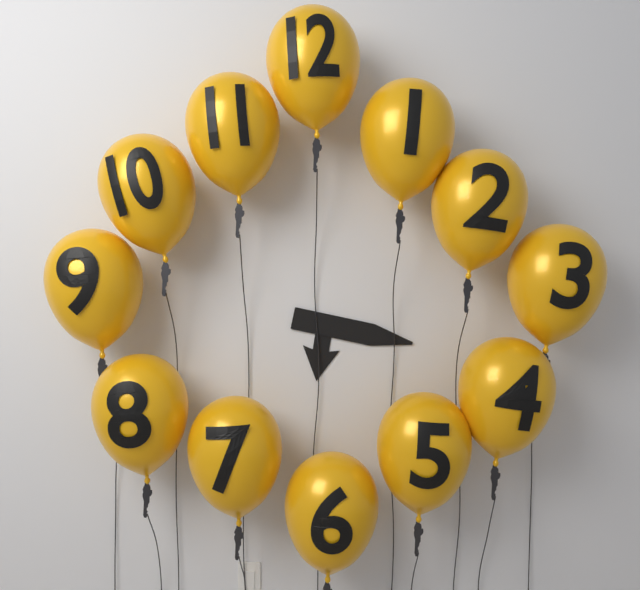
6:17
